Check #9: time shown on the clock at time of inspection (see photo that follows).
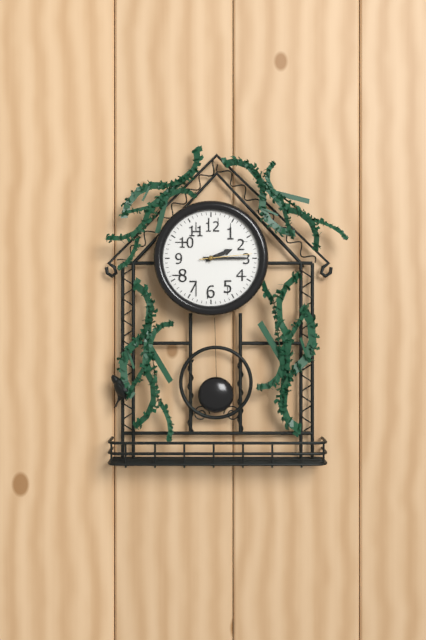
2:15:14
